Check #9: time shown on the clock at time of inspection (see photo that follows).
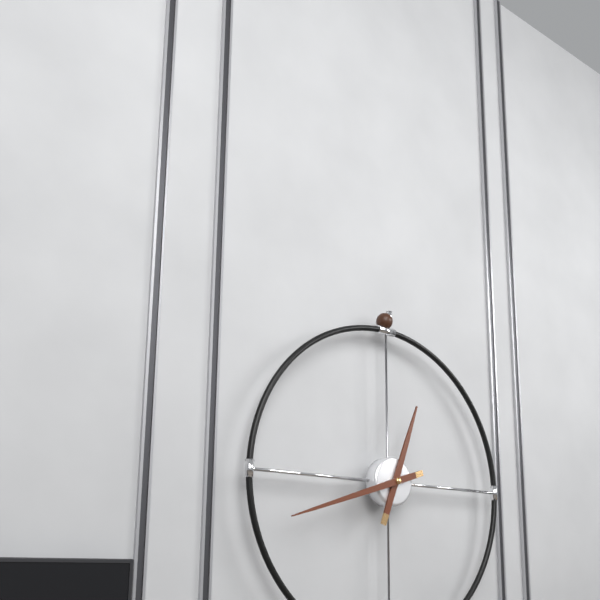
12:42
